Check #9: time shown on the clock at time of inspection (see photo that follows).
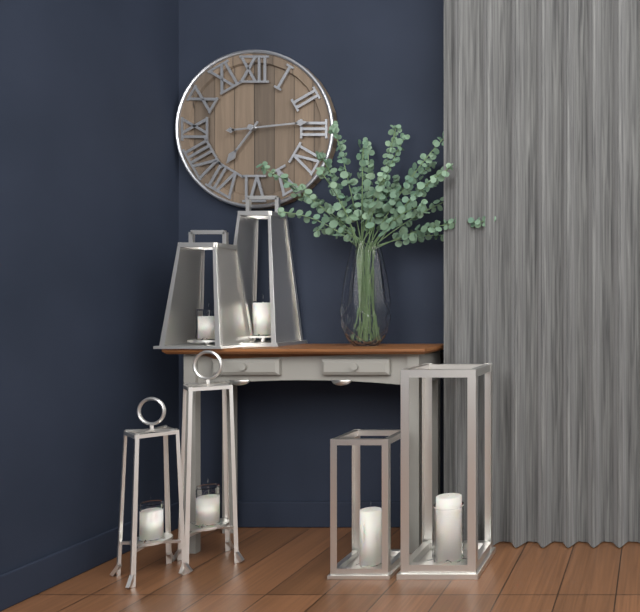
7:14
